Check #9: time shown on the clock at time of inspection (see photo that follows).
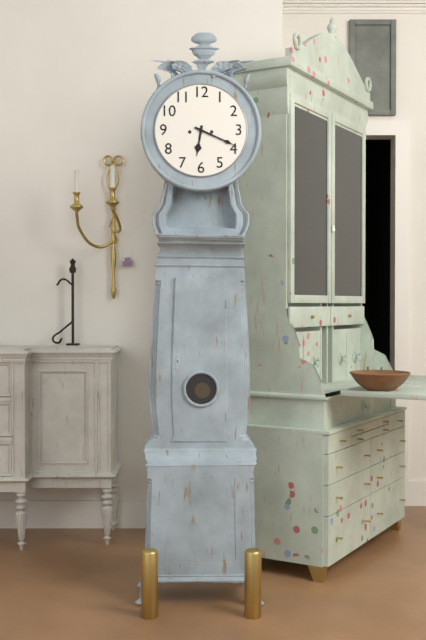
6:19
